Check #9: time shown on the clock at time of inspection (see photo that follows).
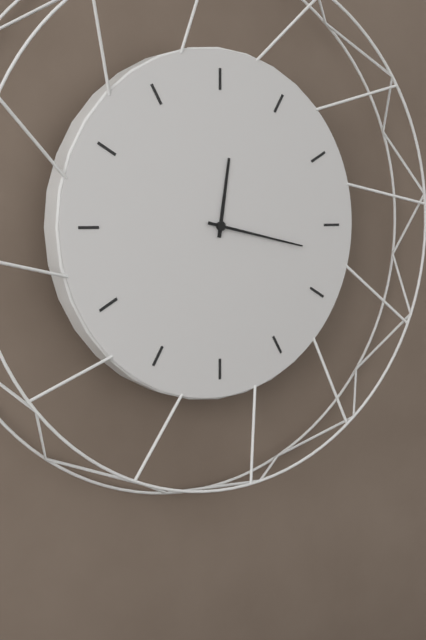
12:17
